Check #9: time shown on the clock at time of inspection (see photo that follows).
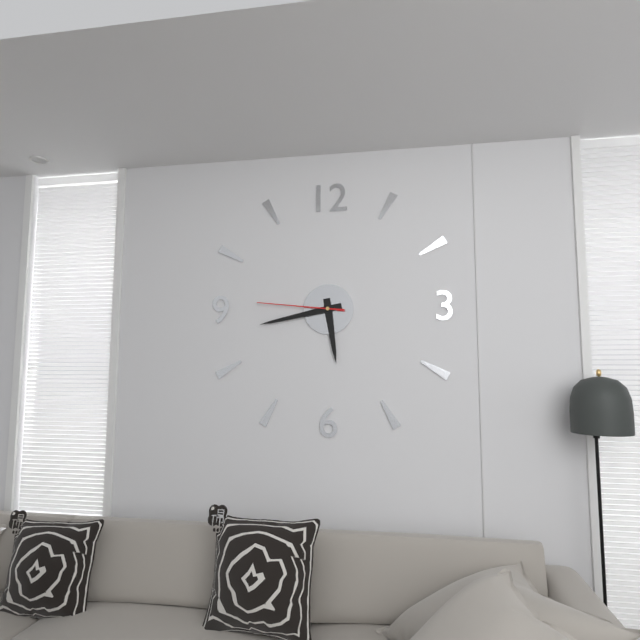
5:43:46
